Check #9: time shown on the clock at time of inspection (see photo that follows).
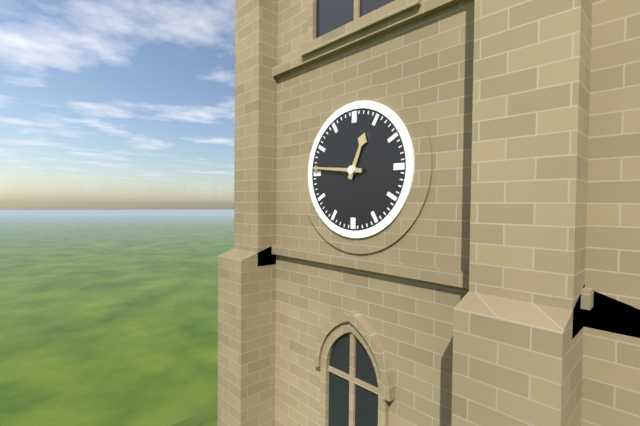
12:46
